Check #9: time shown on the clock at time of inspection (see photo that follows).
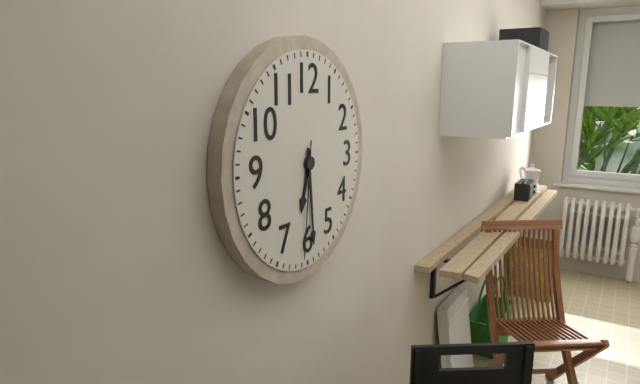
6:29:31
